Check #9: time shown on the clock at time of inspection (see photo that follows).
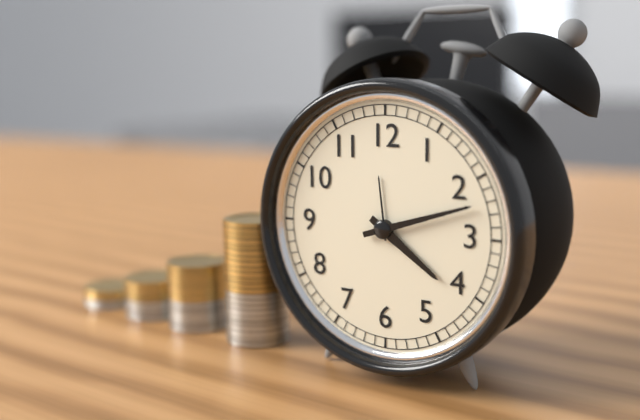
4:12
